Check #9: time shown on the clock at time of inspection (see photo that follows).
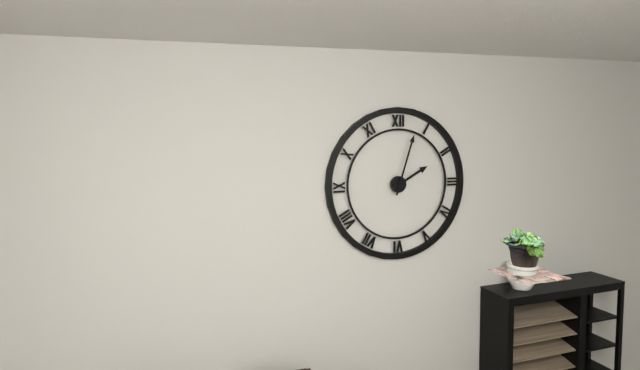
2:03
